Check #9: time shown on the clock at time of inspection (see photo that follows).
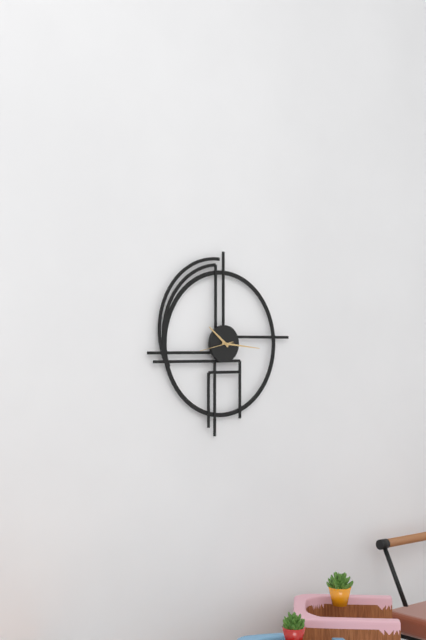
10:16
